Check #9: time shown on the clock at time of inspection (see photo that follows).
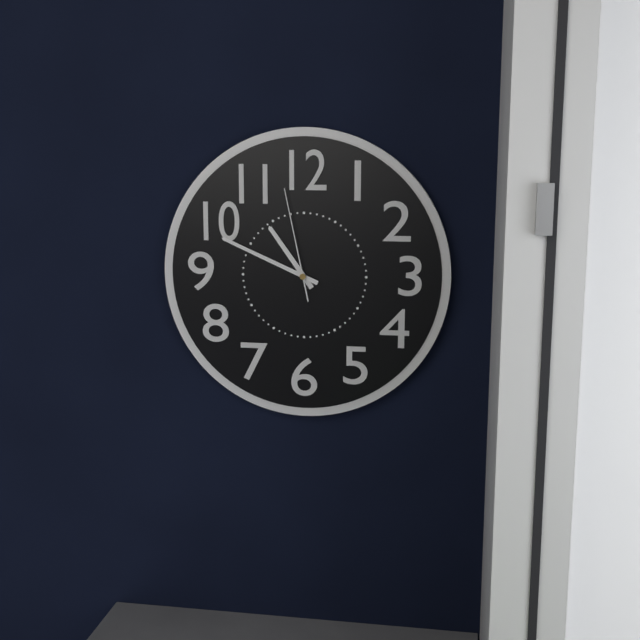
10:49:58
